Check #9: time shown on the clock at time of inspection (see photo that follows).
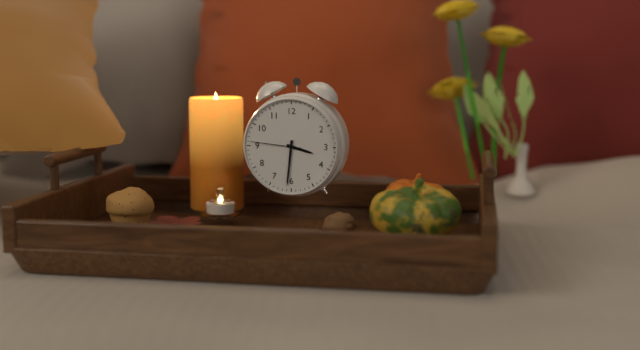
3:31:46
